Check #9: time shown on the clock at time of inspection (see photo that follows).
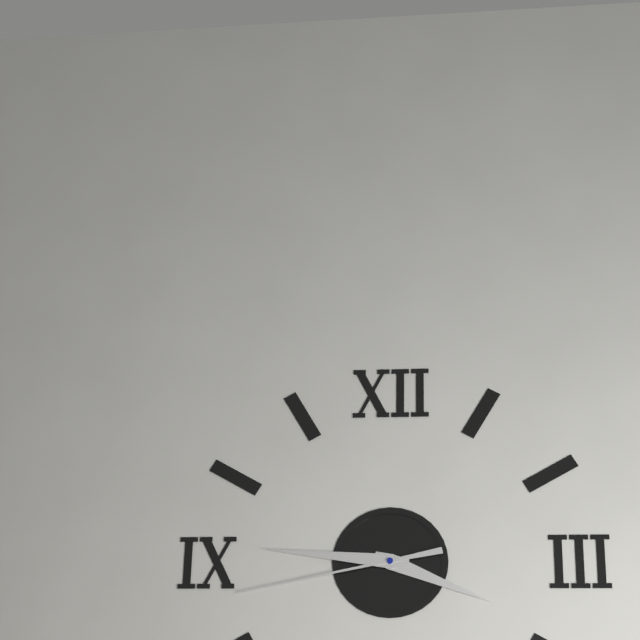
3:46:43
